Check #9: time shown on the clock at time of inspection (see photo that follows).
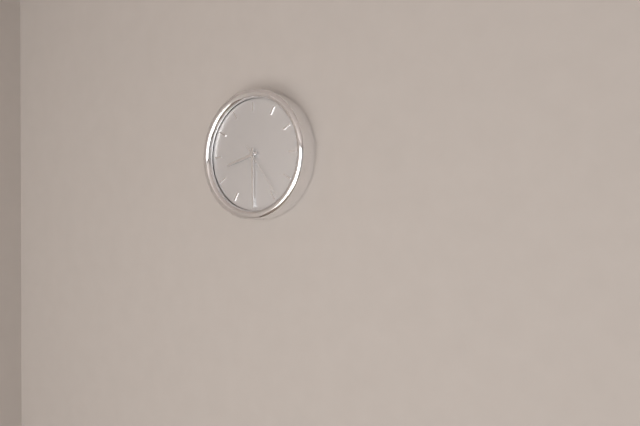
8:30:24
